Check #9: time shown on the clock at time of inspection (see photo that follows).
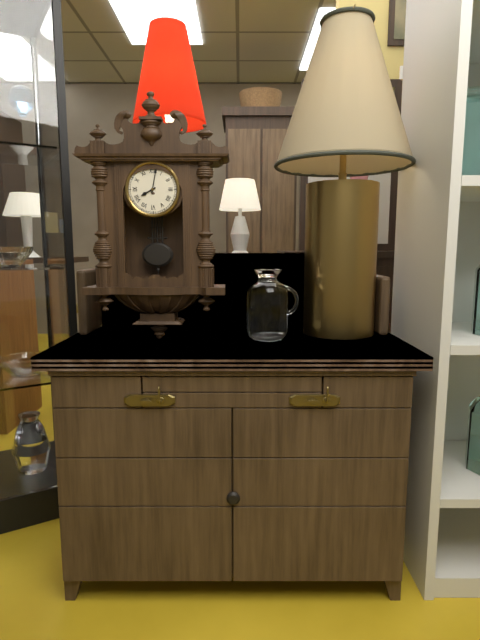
8:02
